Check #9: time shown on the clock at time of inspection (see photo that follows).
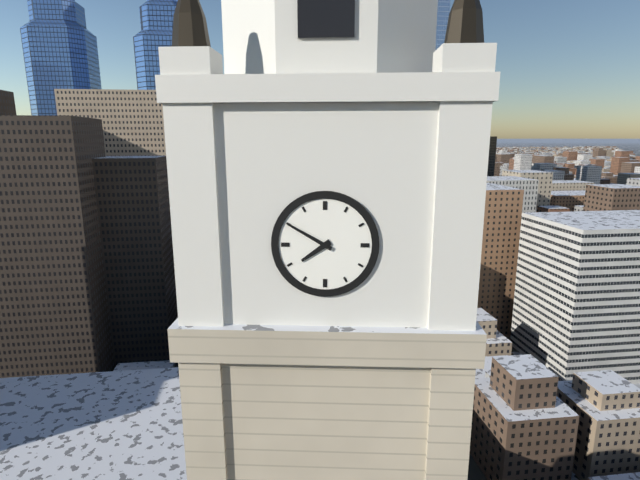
7:50
